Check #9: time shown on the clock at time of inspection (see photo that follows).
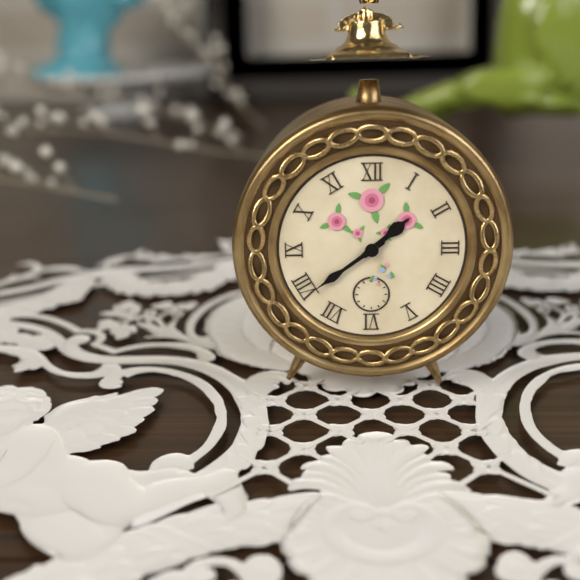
1:39
